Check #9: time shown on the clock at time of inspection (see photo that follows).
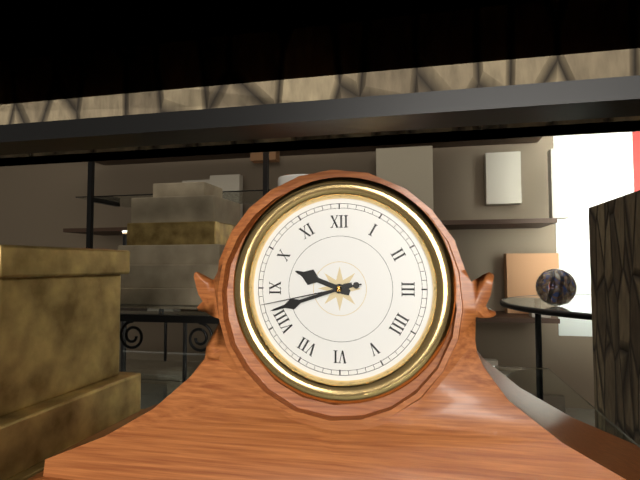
9:42:43
